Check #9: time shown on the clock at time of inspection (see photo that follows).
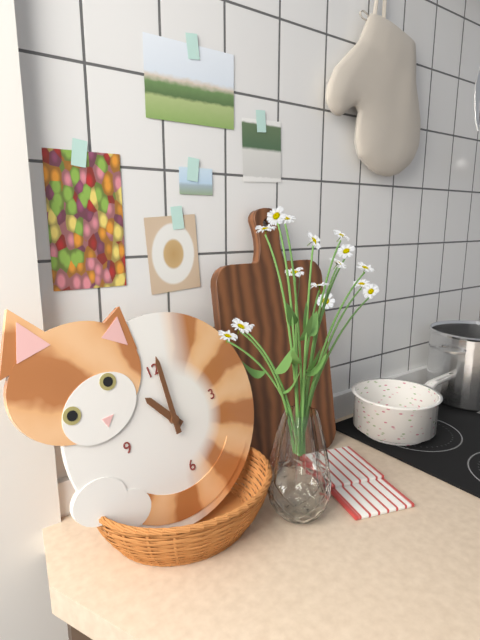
11:01
